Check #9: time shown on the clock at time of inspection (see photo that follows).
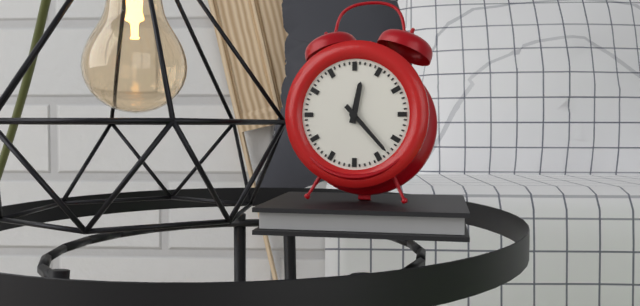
12:23
